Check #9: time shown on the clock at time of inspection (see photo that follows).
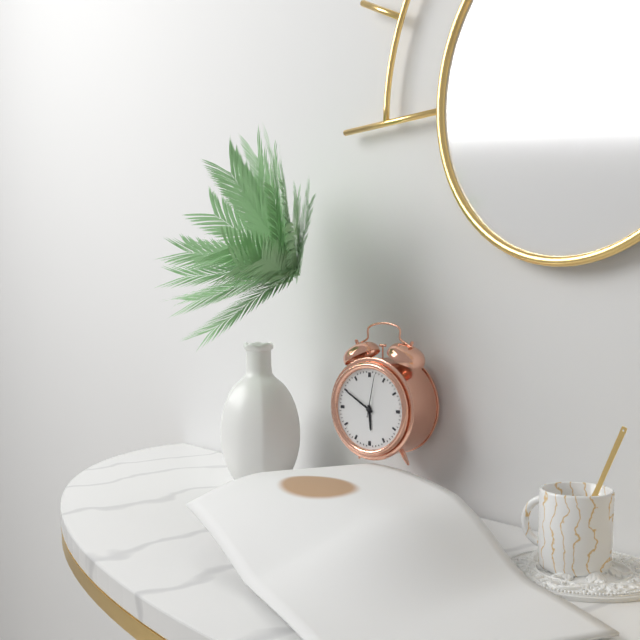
5:50
